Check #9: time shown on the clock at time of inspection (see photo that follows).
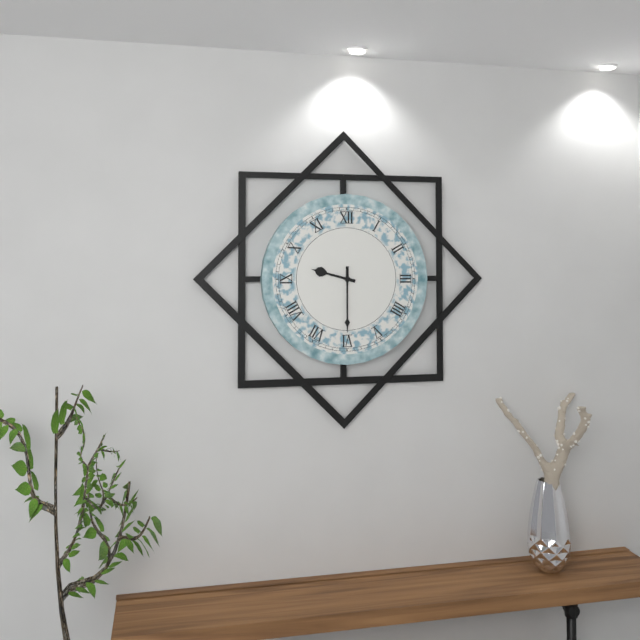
9:30
